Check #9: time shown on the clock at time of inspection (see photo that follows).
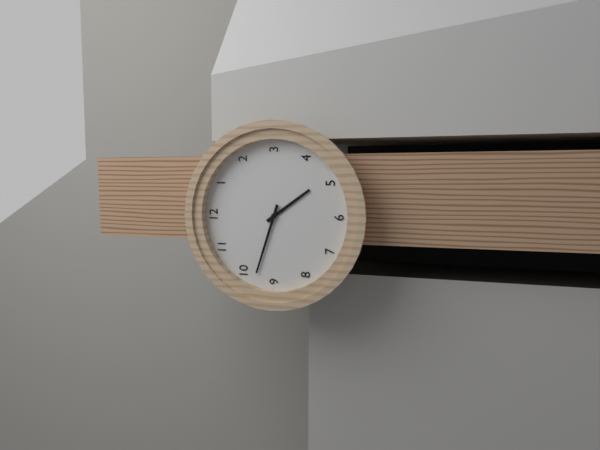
4:48
